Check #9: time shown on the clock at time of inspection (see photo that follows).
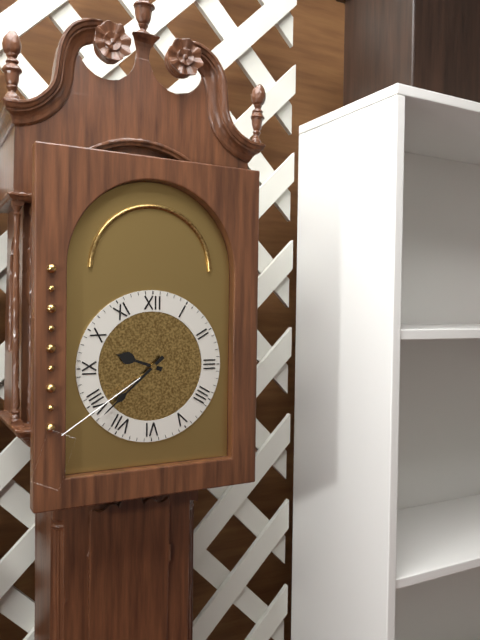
9:38
